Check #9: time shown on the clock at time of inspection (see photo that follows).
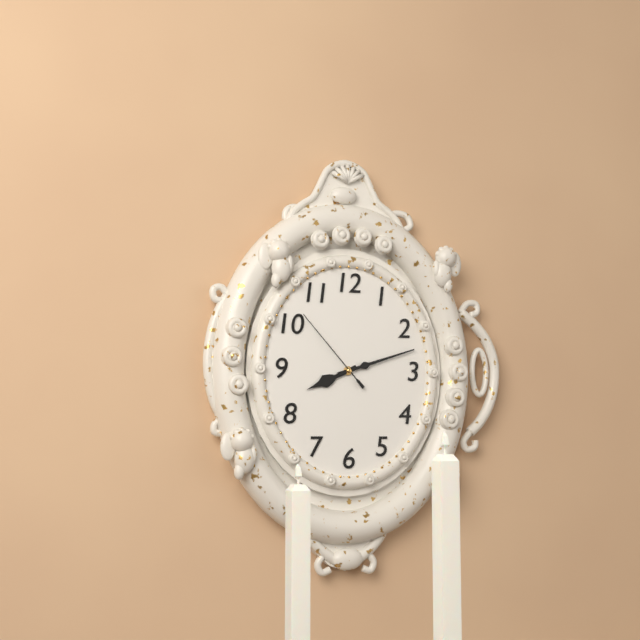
8:12:53
